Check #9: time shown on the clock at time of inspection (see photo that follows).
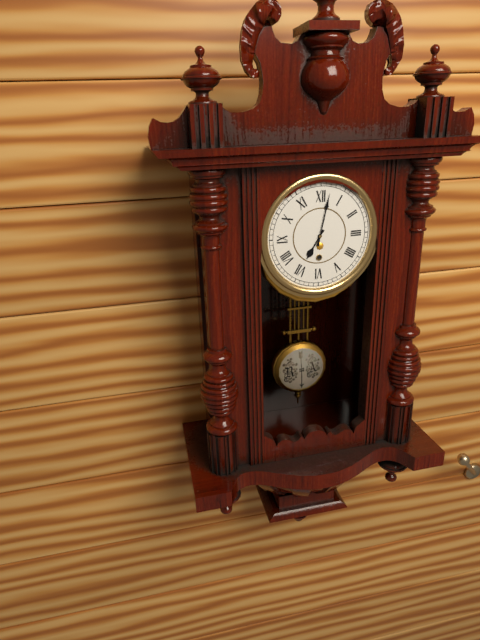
7:02
